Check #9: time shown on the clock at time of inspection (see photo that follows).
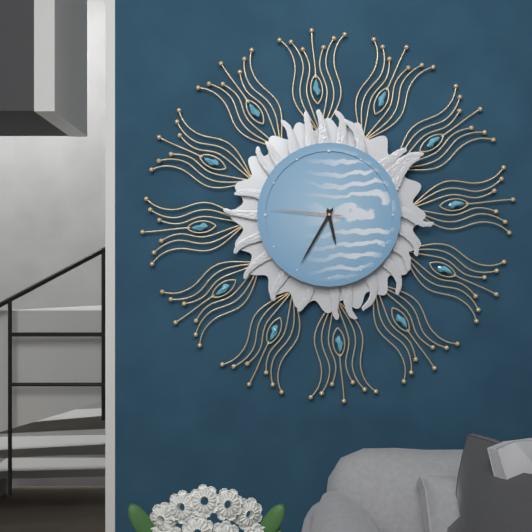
5:35:46
